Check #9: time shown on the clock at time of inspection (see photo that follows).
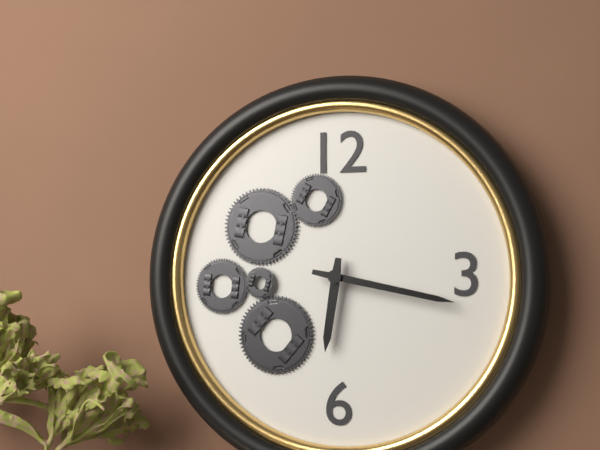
6:17
